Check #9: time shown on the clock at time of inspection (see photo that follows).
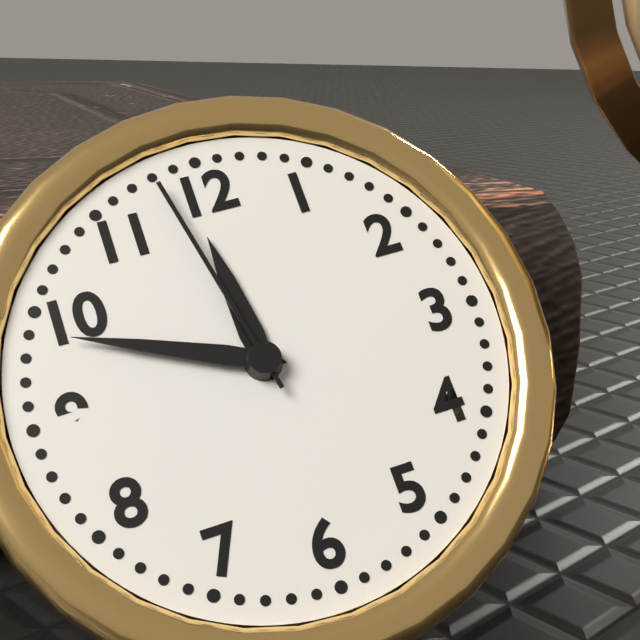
11:49:58
